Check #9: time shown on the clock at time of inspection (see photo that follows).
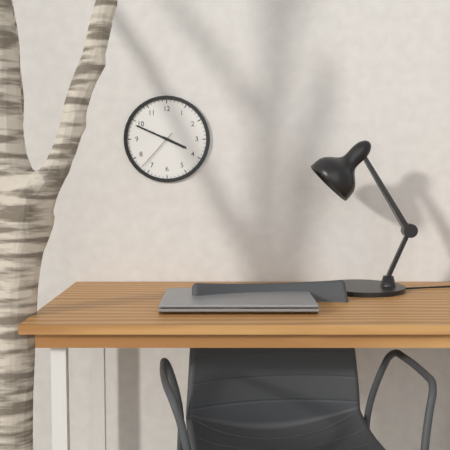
3:49
